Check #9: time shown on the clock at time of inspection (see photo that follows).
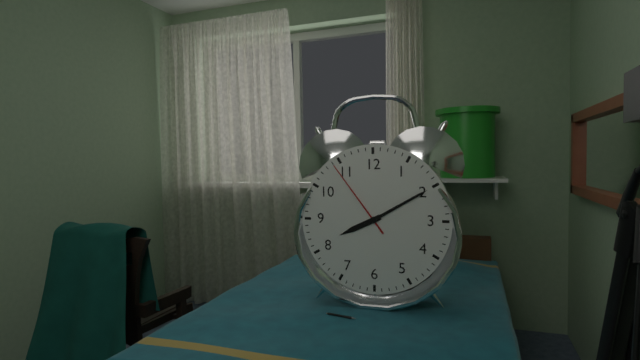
8:10:54
